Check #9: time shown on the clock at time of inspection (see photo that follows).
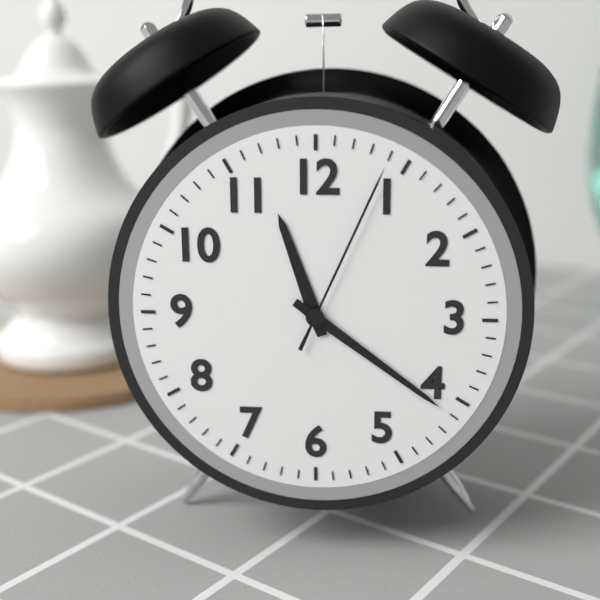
11:21:04
